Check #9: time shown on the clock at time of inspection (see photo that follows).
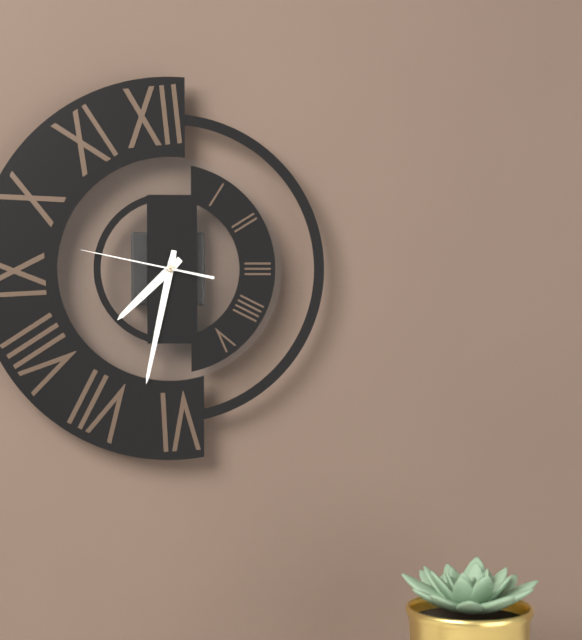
7:32:47
